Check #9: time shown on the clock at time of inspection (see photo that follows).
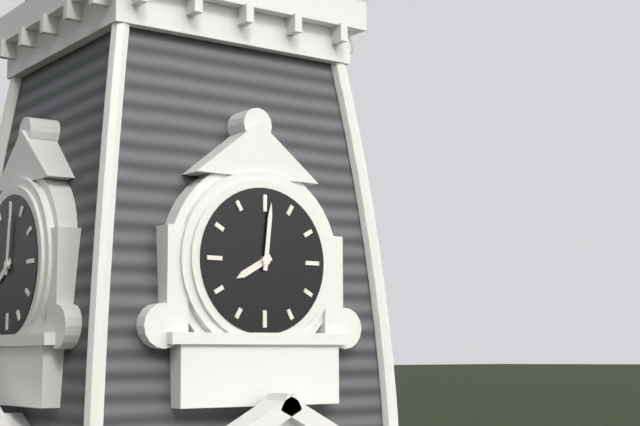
8:01
